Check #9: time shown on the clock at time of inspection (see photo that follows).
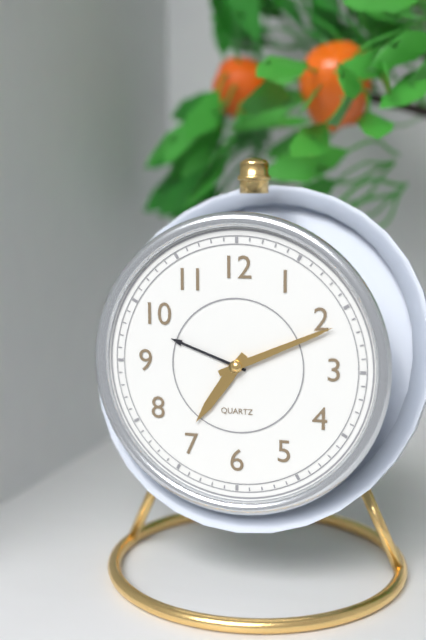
7:11
